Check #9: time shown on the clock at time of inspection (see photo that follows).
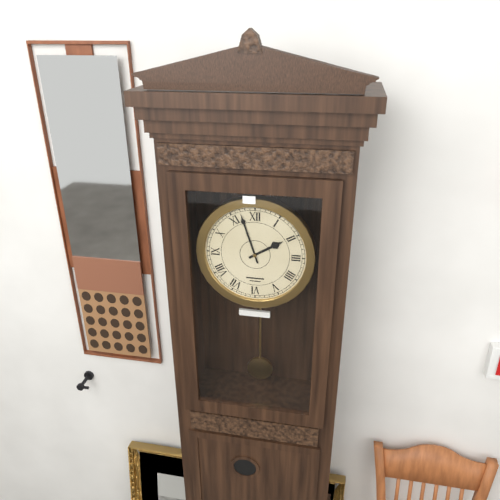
1:57
